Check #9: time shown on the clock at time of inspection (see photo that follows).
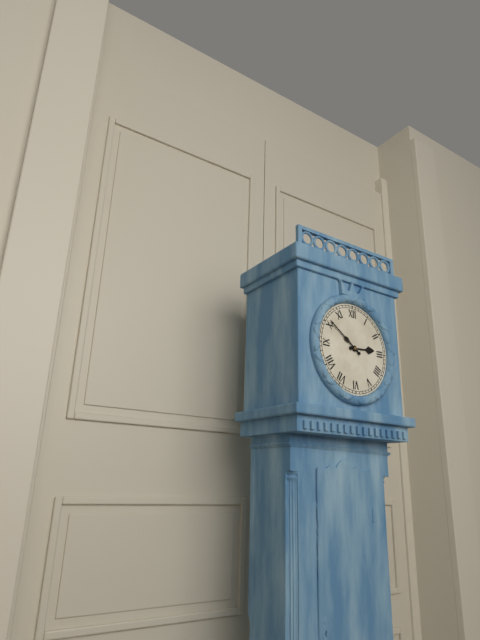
2:51
